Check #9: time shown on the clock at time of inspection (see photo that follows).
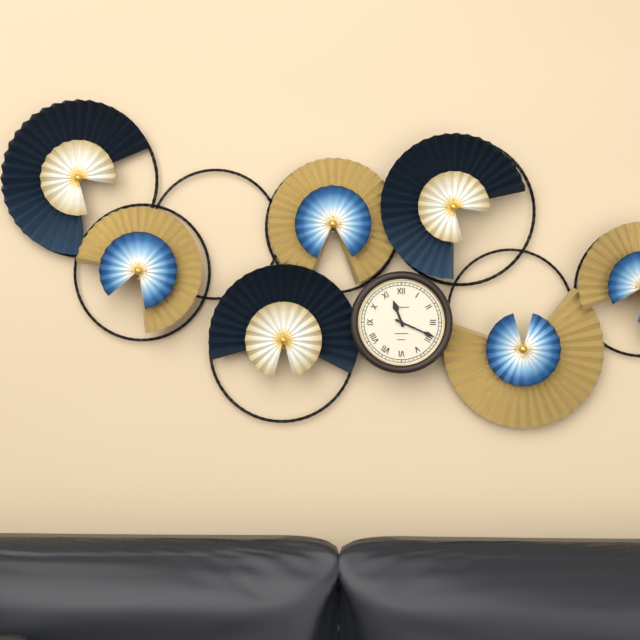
11:19
